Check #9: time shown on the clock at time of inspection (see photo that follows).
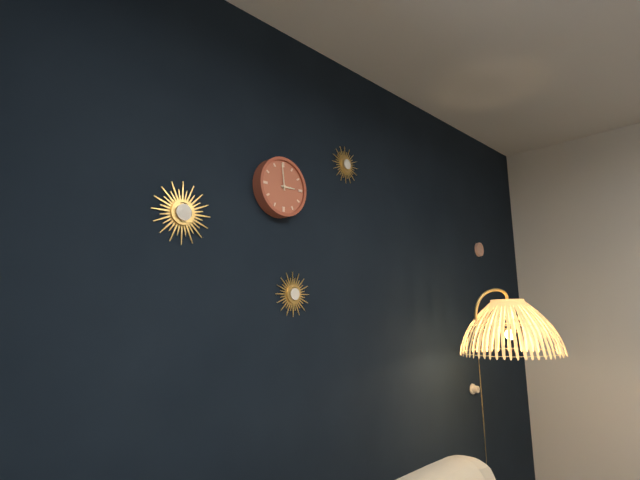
2:59
